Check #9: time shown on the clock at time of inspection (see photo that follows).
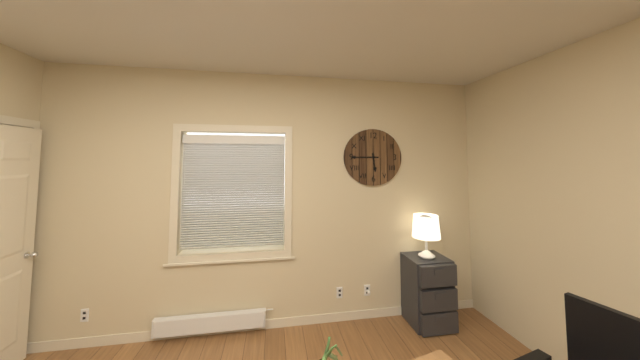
5:45
